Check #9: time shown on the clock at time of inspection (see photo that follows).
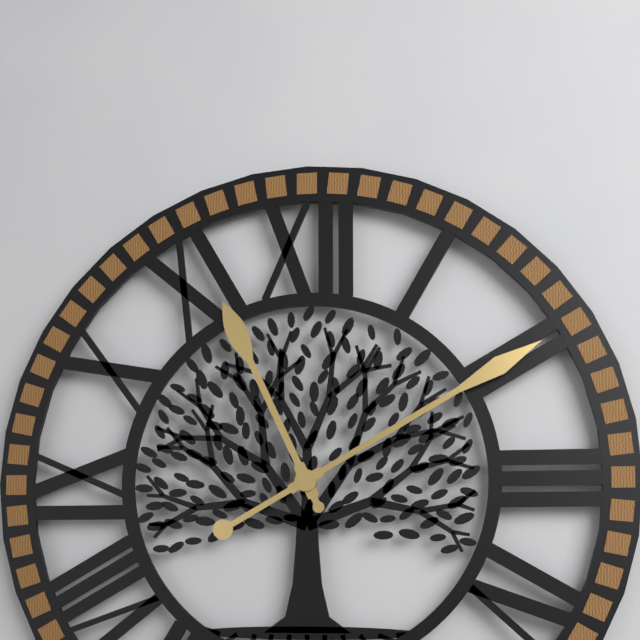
11:10
